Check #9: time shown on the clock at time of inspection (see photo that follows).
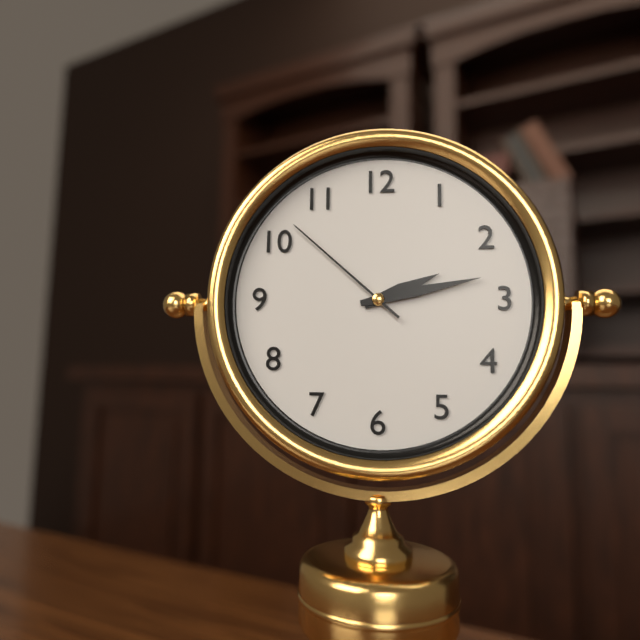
2:13:52
